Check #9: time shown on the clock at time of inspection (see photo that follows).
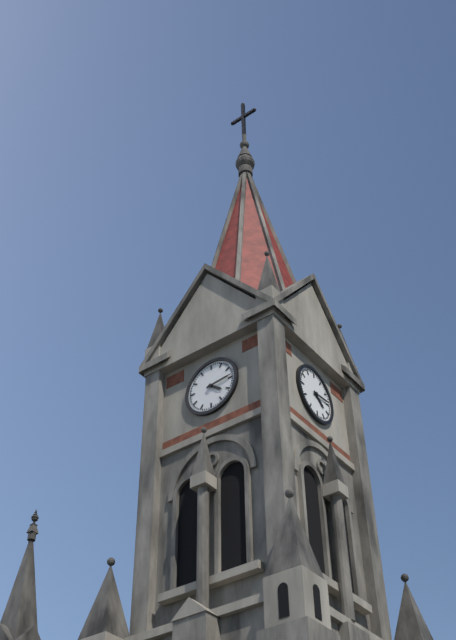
4:14
